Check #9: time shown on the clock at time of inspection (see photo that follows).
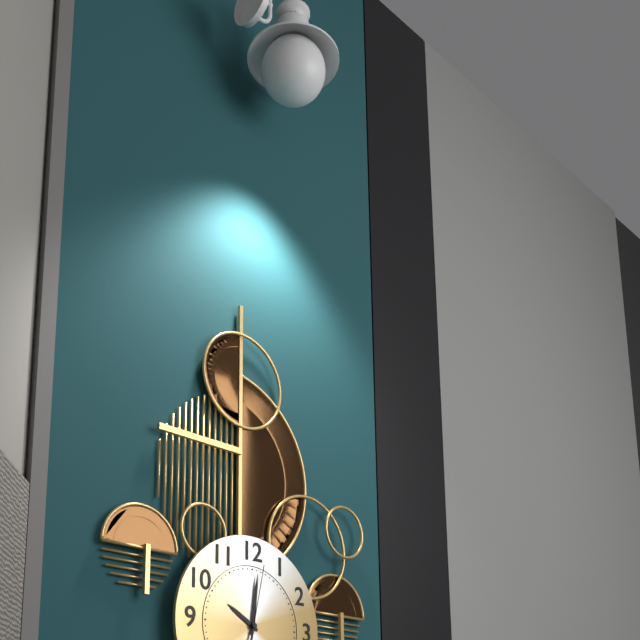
10:01:02
